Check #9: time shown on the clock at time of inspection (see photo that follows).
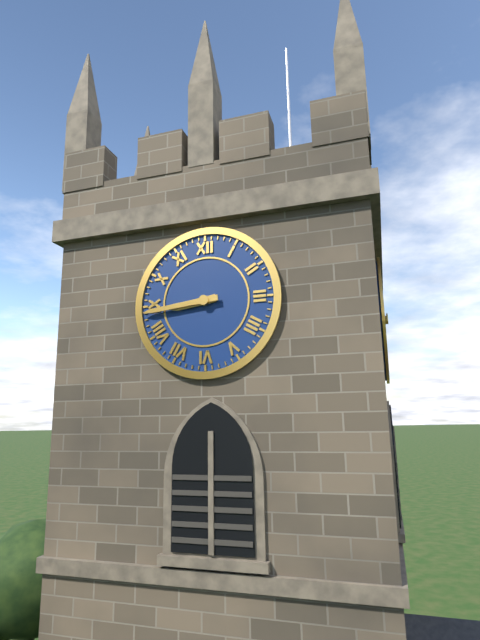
8:44
